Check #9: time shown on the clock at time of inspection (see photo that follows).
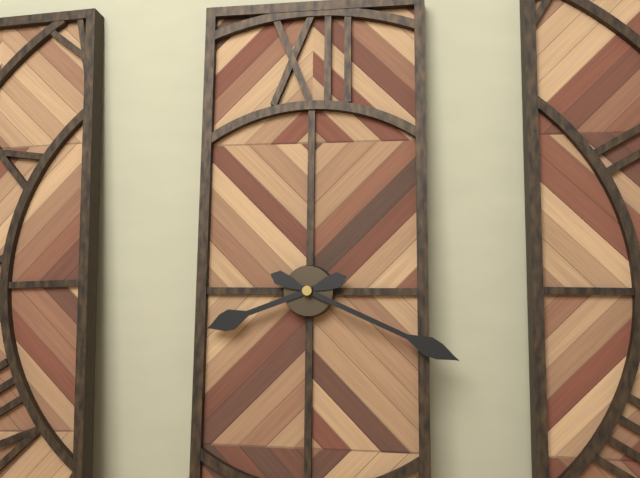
8:19
